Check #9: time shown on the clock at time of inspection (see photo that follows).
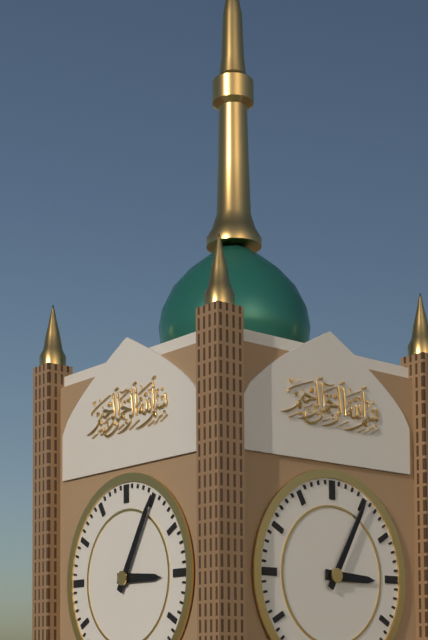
3:05
